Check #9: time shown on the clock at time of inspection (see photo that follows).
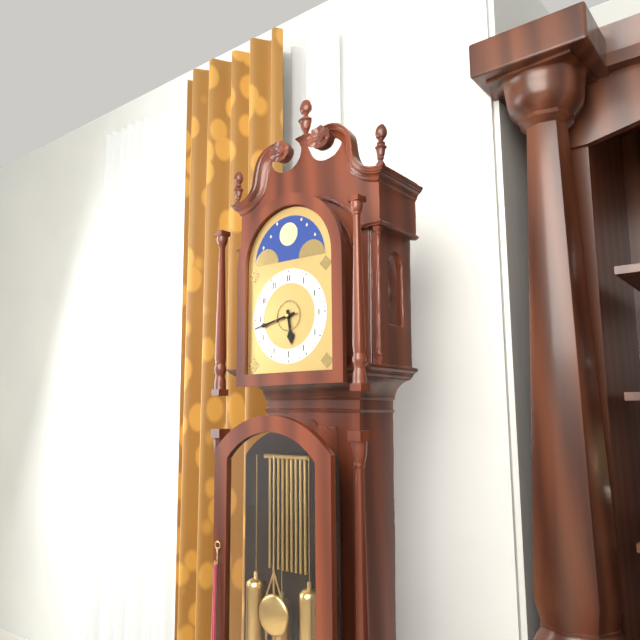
5:43
